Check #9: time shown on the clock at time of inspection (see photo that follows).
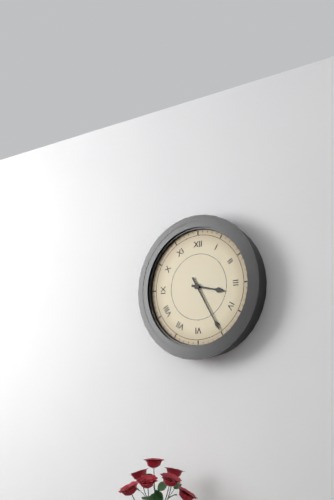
3:25
